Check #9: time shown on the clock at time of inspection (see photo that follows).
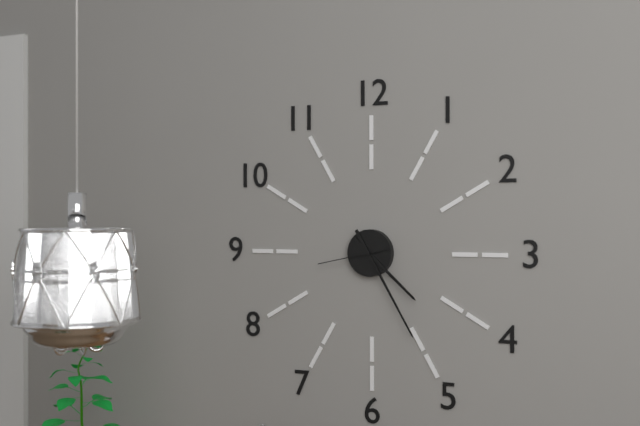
4:25:43
